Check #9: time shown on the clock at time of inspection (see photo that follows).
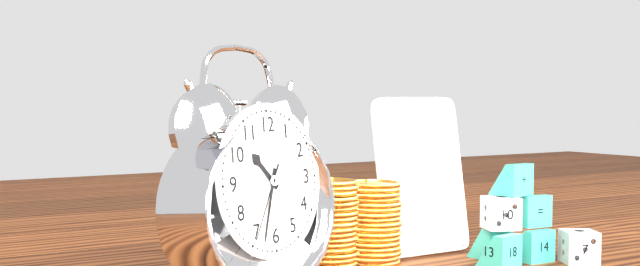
10:33:35
